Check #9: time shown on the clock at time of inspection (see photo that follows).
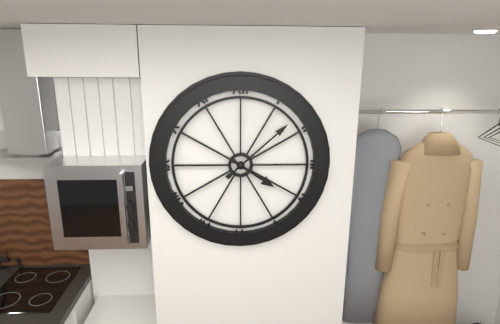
4:08
